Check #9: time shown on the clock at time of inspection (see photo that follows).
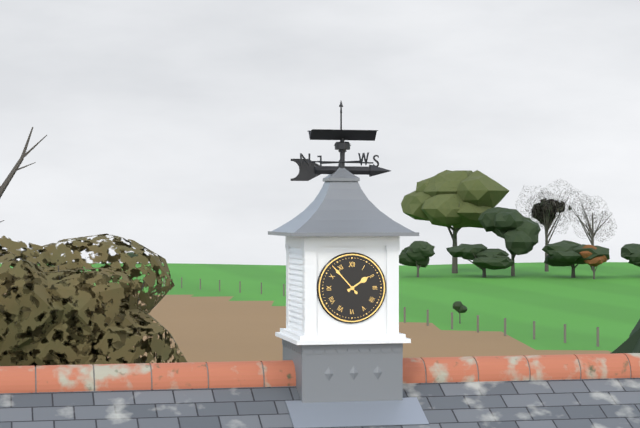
1:53
